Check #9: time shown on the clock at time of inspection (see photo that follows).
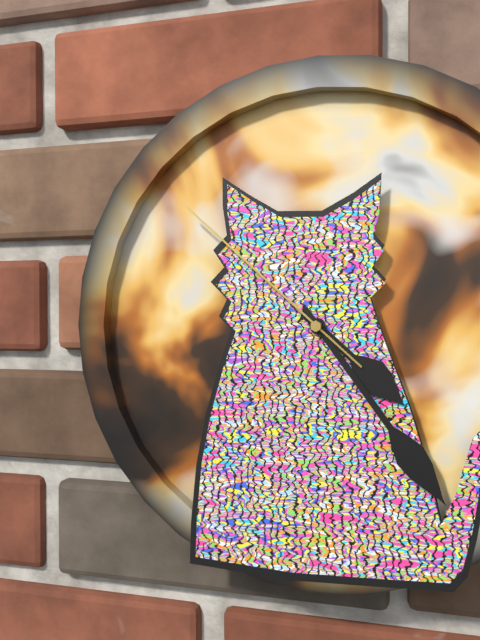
4:24:52
